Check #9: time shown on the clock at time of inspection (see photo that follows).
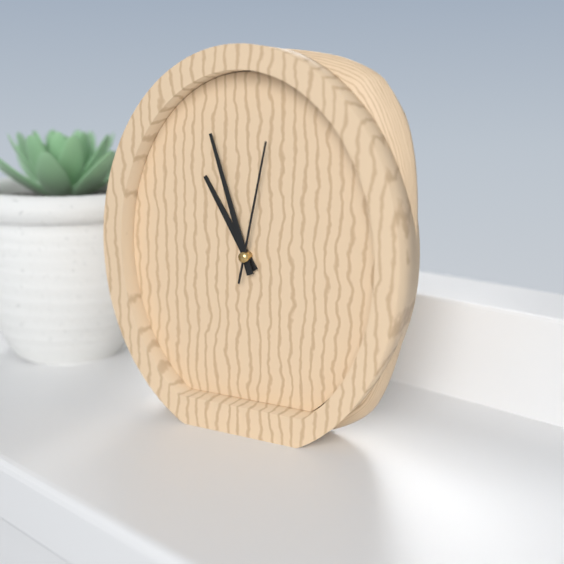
10:57:02
